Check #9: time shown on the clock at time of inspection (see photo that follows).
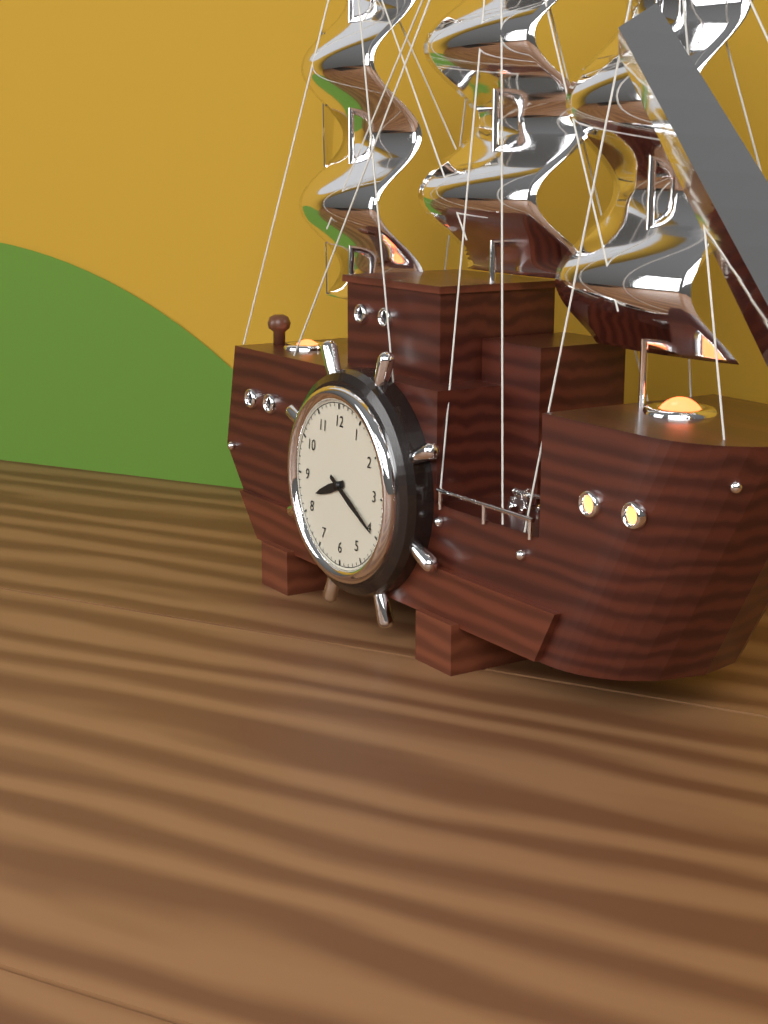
8:20
